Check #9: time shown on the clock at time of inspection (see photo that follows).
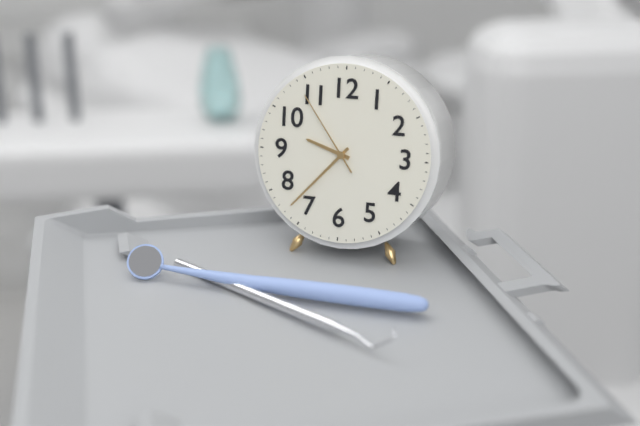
9:37:54
